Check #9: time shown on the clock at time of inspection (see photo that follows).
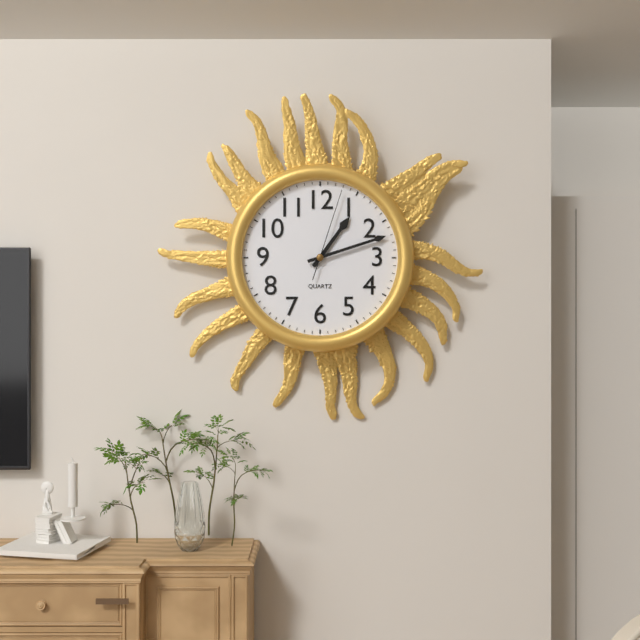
1:12:03
